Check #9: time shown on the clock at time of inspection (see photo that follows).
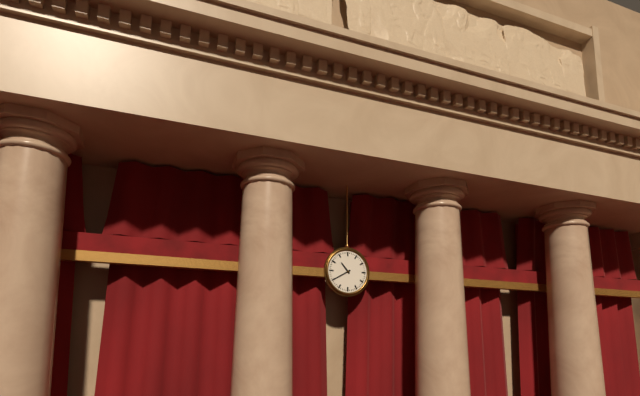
10:40
